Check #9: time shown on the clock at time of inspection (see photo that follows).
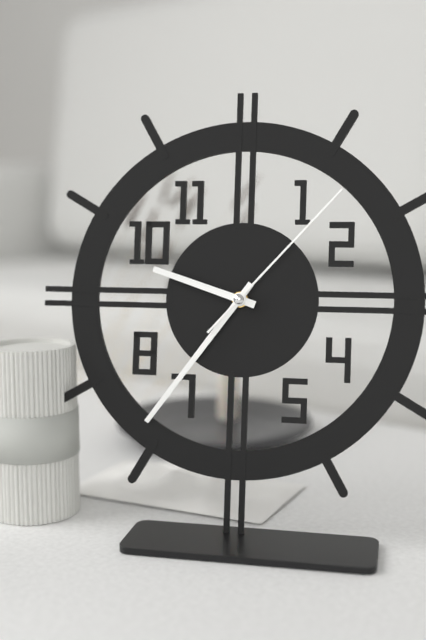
9:36:07
